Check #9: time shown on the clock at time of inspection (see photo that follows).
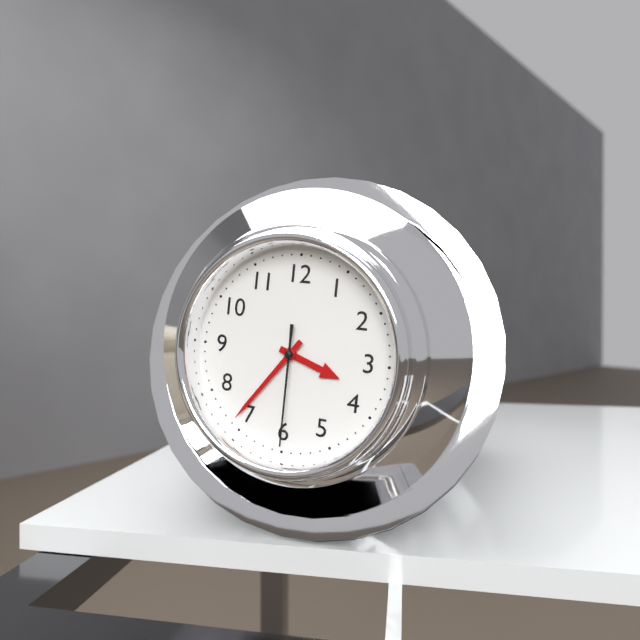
3:36:30
